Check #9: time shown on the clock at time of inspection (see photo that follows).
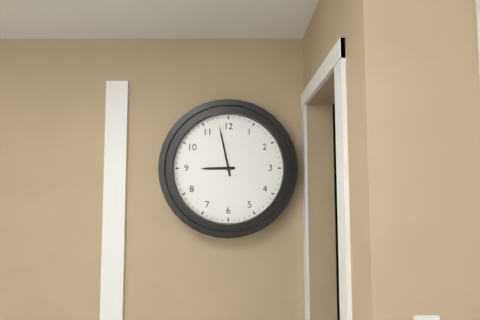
8:58
